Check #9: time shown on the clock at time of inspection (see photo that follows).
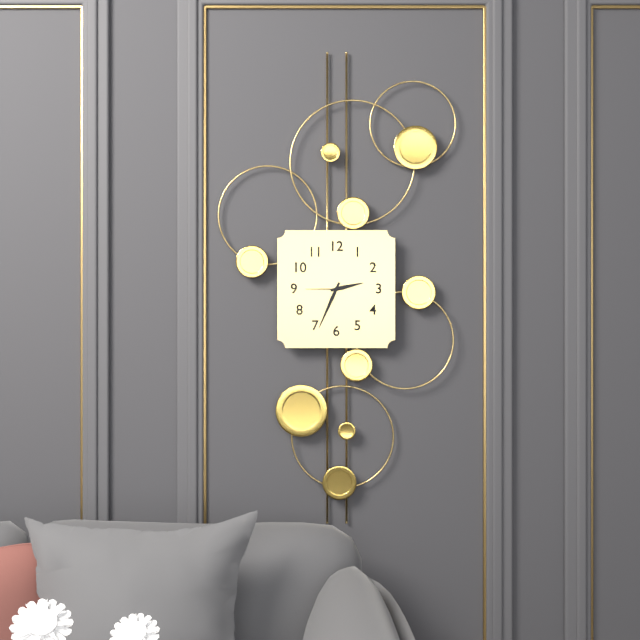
2:34
